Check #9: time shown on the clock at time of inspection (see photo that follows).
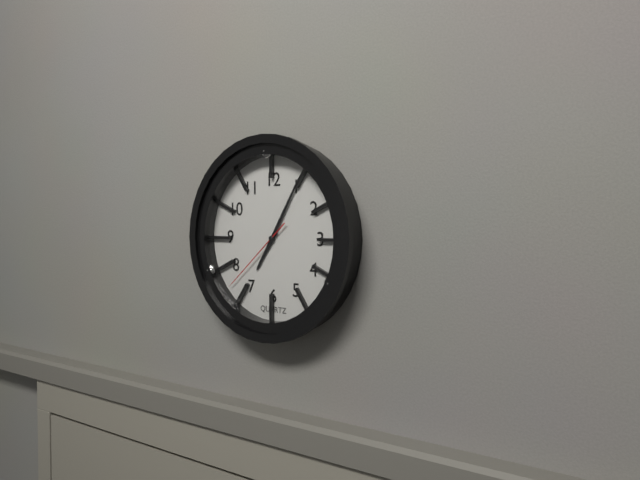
7:05:38
